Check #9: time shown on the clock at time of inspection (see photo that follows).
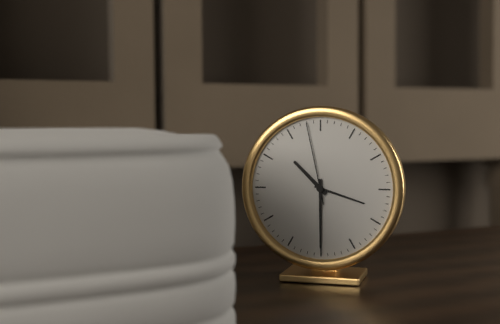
10:30:58
